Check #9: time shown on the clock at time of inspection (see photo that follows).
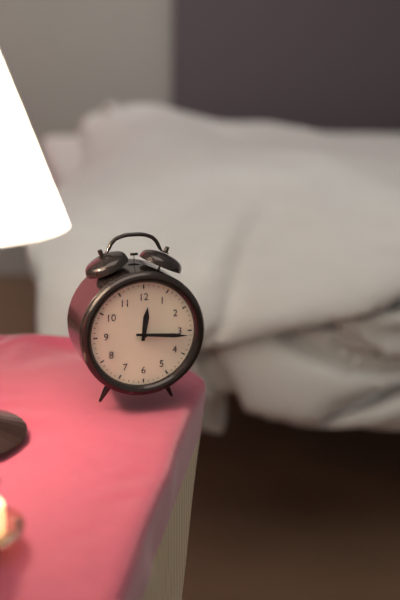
12:16
